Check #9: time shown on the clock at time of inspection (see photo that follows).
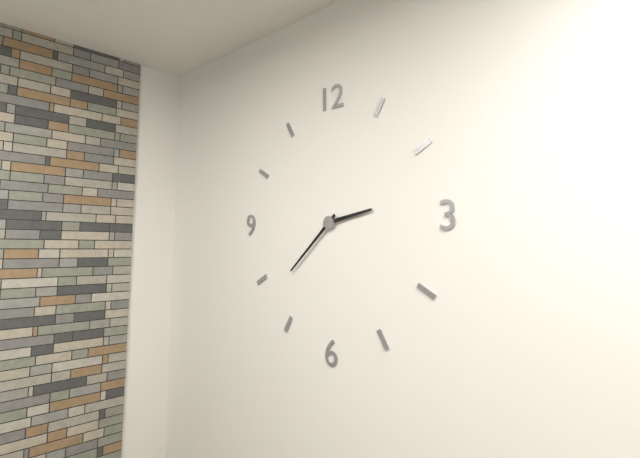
2:38
